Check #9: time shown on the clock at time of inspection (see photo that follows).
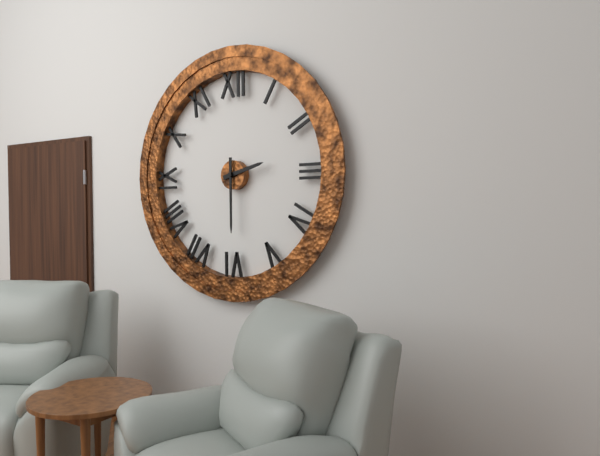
2:30
